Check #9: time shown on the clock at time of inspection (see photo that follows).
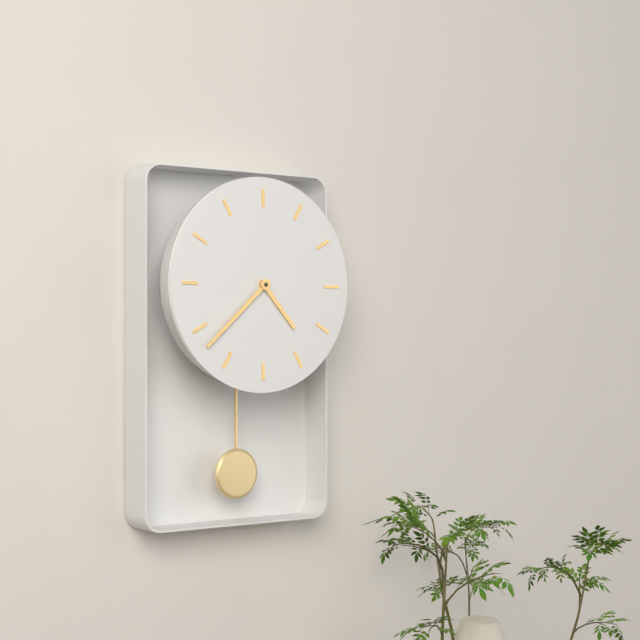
4:38
